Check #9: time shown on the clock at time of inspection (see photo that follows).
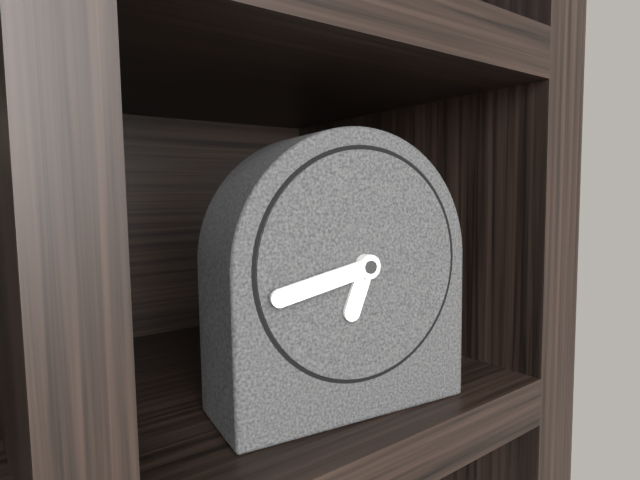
6:43
